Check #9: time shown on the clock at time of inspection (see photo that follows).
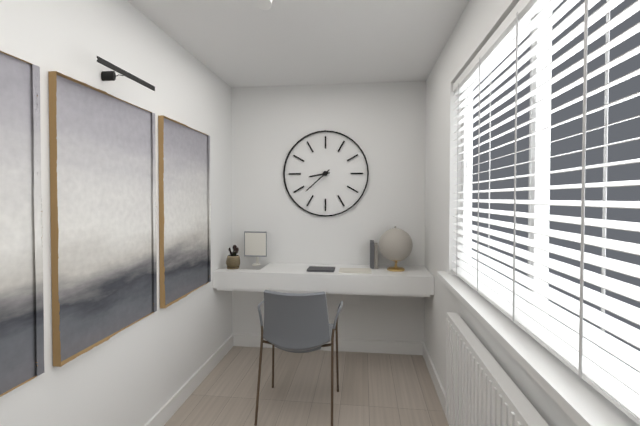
8:38
